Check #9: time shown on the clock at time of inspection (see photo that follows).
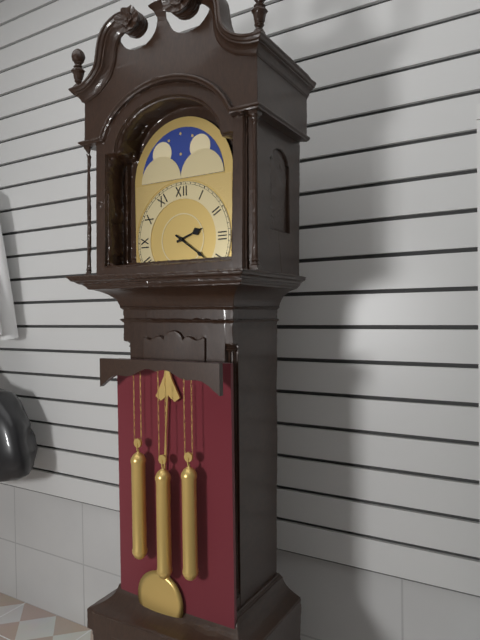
2:21
